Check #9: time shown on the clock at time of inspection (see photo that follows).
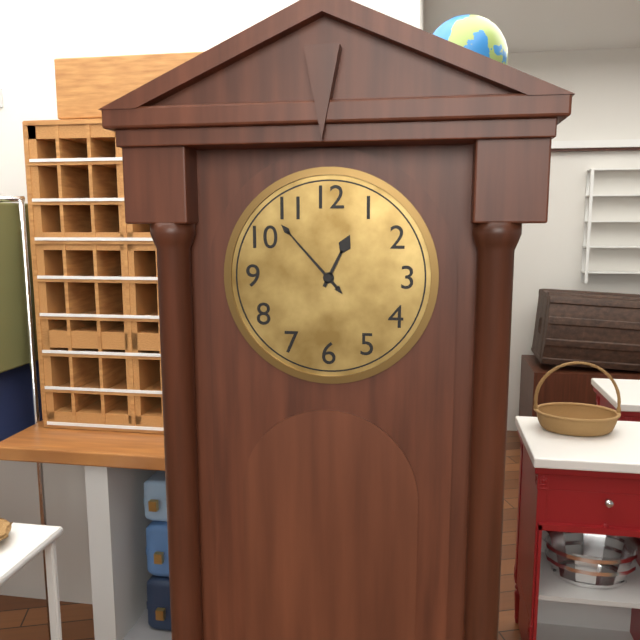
12:53
